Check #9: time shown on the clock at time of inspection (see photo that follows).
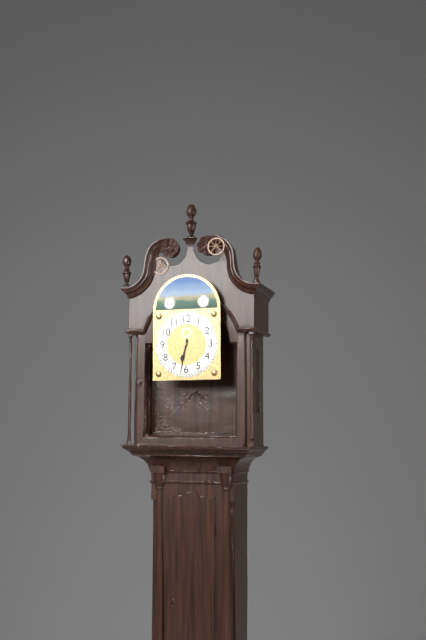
6:32
